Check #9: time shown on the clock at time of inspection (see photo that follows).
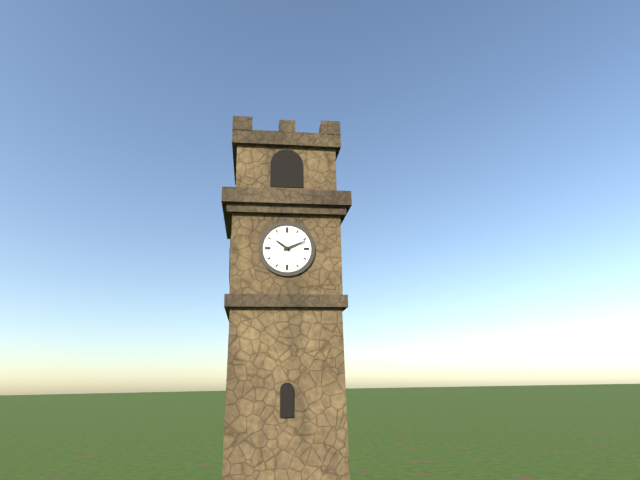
10:11
